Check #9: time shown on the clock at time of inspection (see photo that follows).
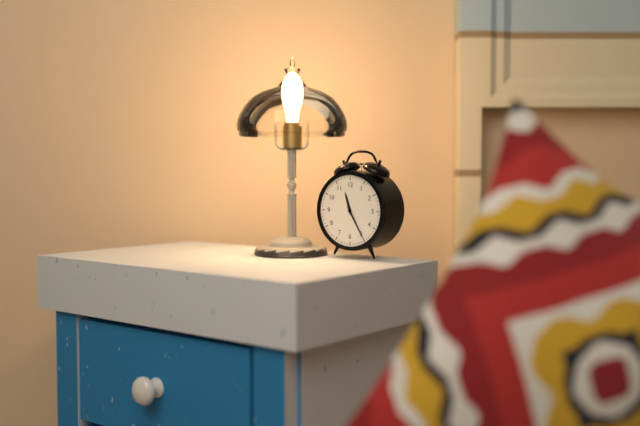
11:25
